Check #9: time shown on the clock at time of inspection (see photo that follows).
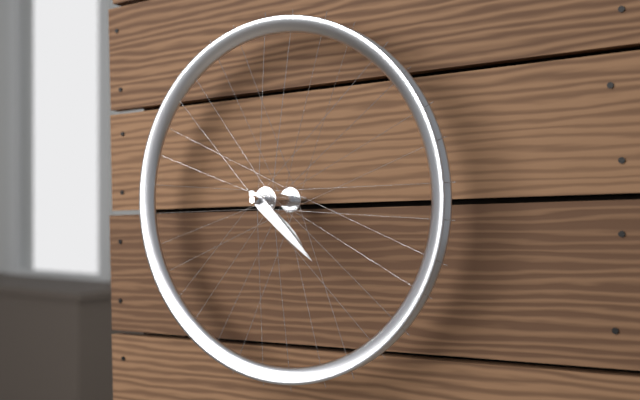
4:22
